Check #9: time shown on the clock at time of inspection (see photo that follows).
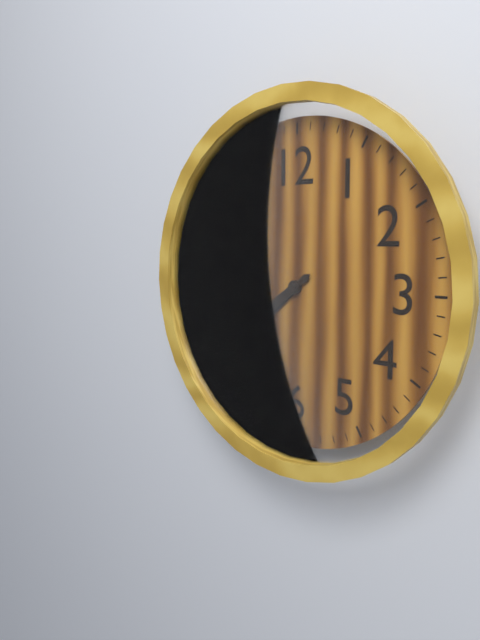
7:39
